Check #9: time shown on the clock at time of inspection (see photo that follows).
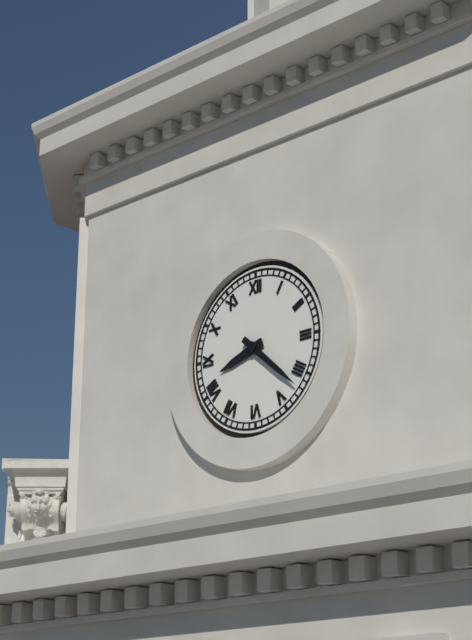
8:22
